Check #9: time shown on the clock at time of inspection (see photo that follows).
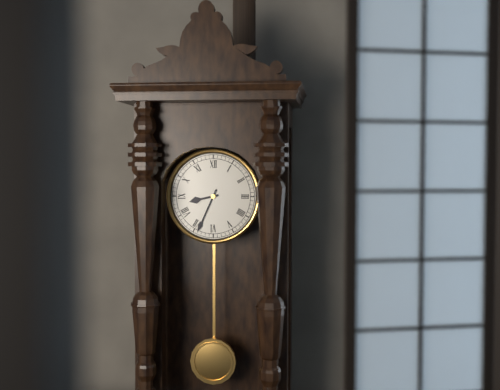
8:34
